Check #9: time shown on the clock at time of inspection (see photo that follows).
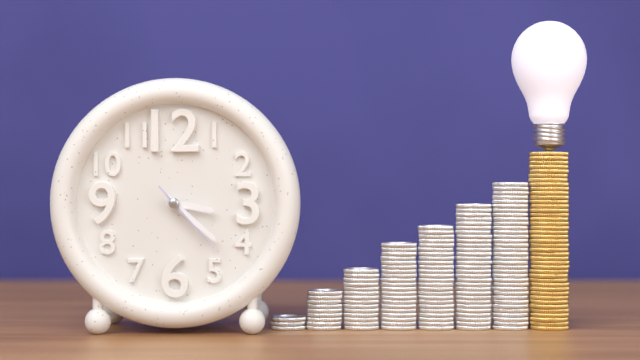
3:22:23
